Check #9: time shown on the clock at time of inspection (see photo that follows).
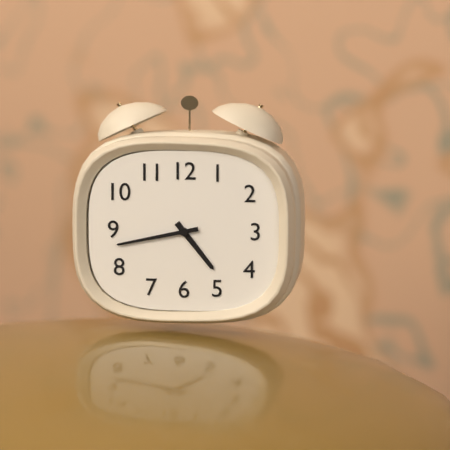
4:43
